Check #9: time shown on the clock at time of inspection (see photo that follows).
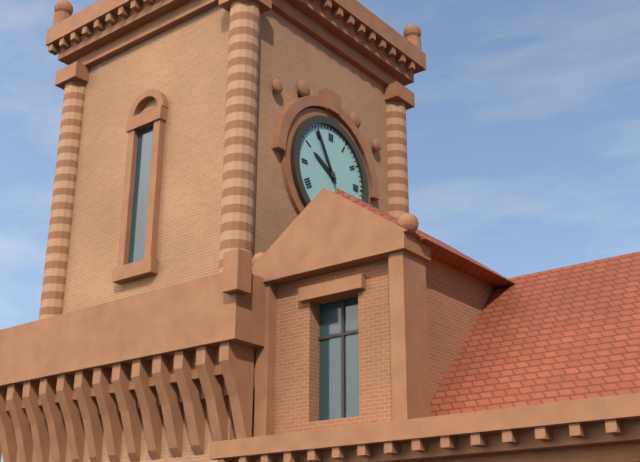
9:55
